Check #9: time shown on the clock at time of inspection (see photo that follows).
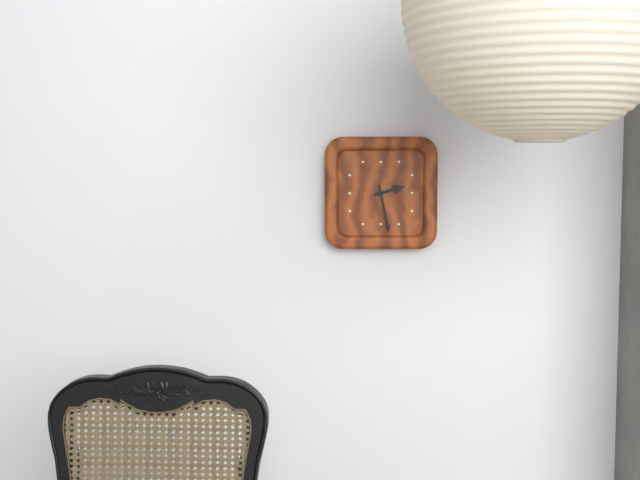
2:28
